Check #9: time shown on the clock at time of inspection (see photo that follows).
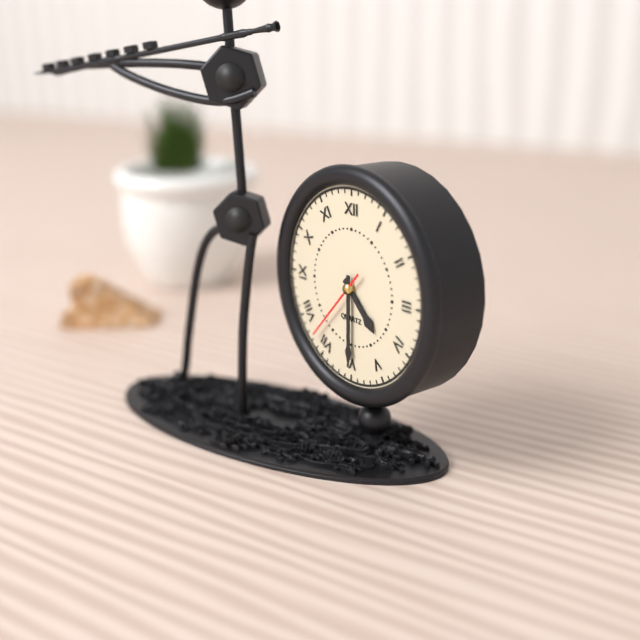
4:30:37
